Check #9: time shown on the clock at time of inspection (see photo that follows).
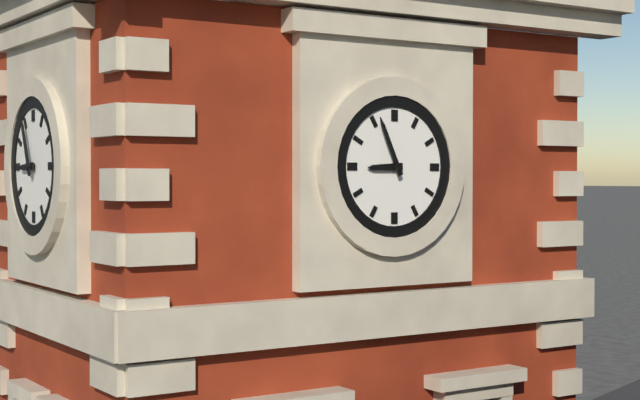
8:56
